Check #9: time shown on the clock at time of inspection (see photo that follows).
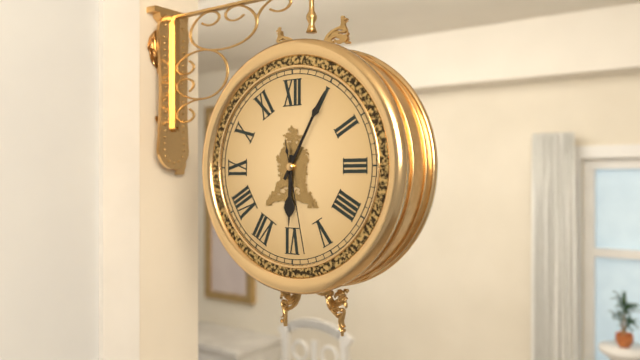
6:05:28
